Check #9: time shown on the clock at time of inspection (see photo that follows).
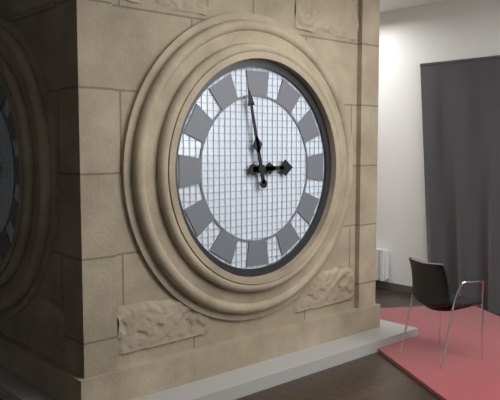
2:58
